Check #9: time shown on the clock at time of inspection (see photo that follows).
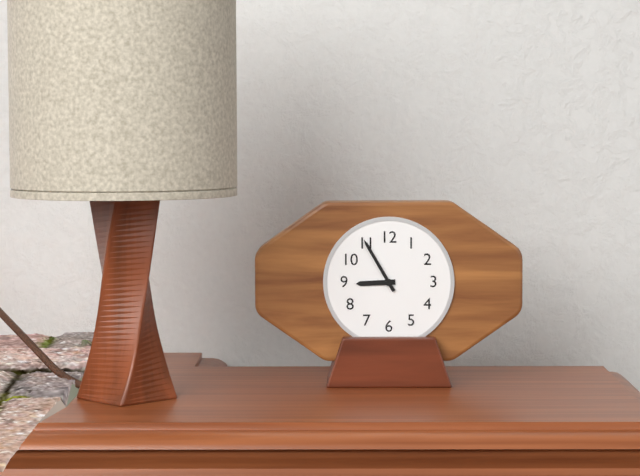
8:55
